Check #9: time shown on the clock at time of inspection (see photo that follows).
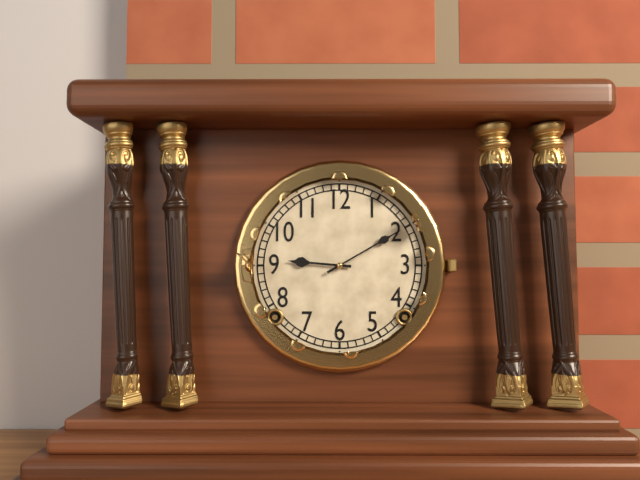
9:10
